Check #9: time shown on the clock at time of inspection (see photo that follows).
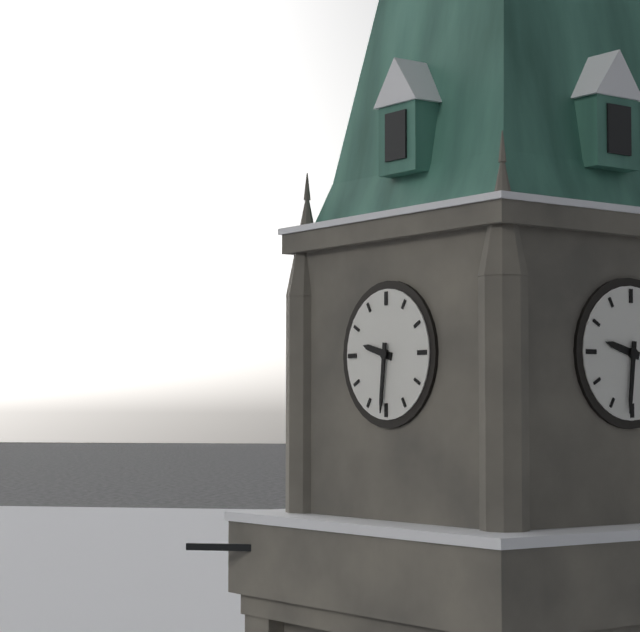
9:31
